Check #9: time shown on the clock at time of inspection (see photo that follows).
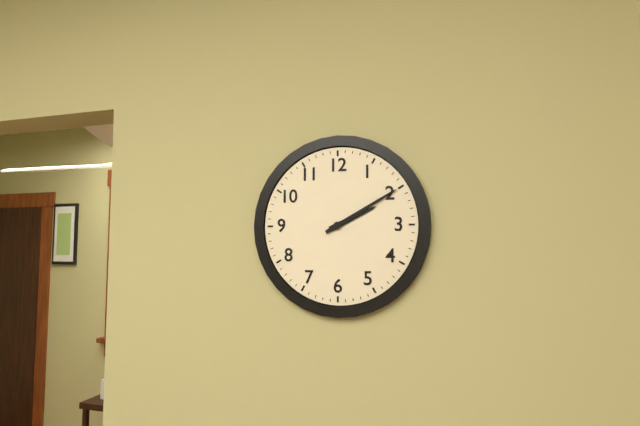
2:10
